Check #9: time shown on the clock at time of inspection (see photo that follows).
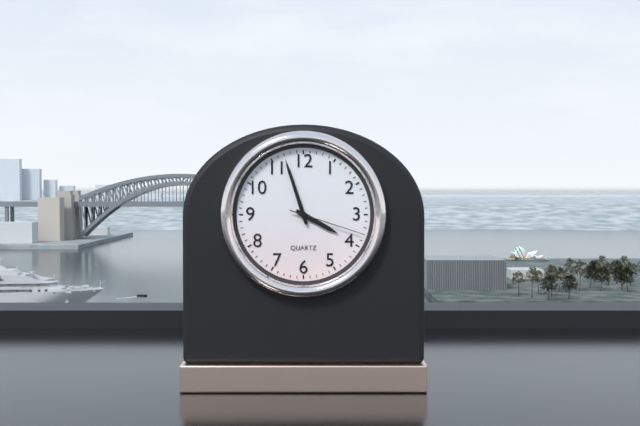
3:57:18
